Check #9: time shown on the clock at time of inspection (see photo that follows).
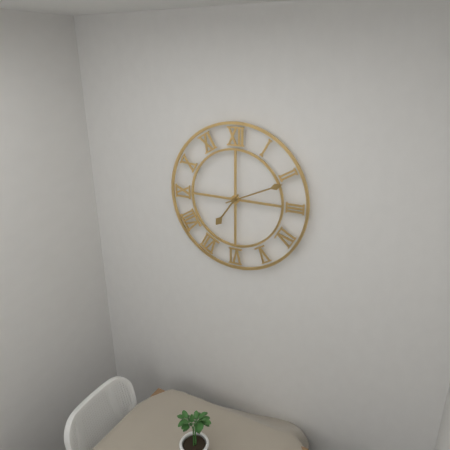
7:11
